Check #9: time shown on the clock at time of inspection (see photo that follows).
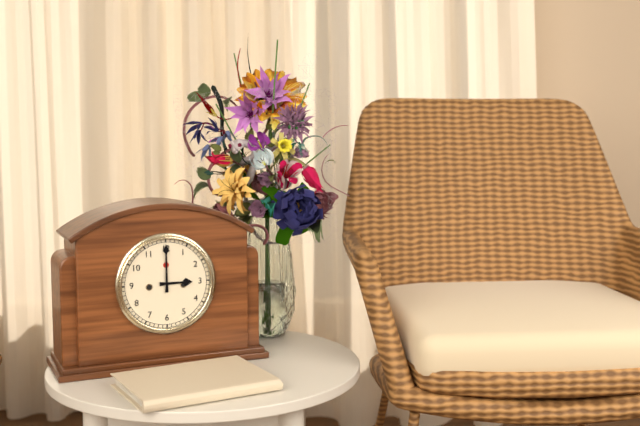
3:00
